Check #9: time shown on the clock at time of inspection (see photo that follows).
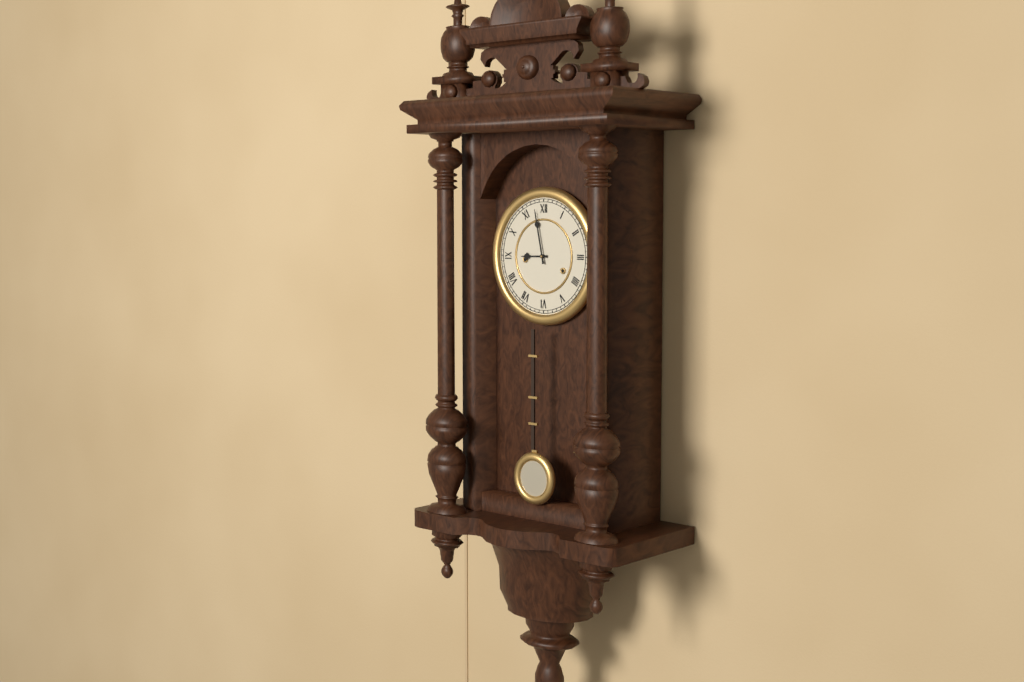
8:58
